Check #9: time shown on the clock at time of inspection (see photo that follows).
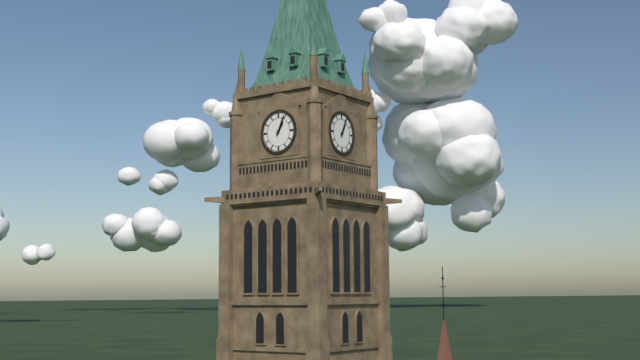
1:04
